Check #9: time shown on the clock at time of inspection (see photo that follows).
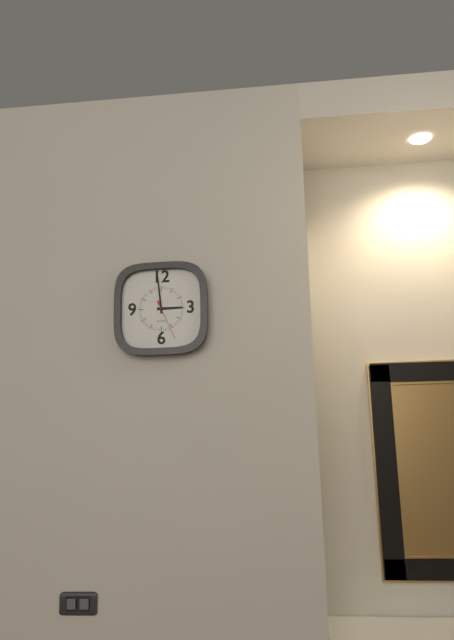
2:59
